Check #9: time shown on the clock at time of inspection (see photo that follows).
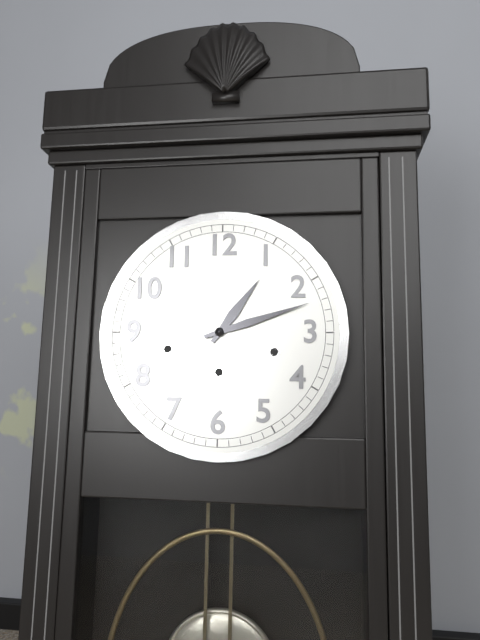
1:12
